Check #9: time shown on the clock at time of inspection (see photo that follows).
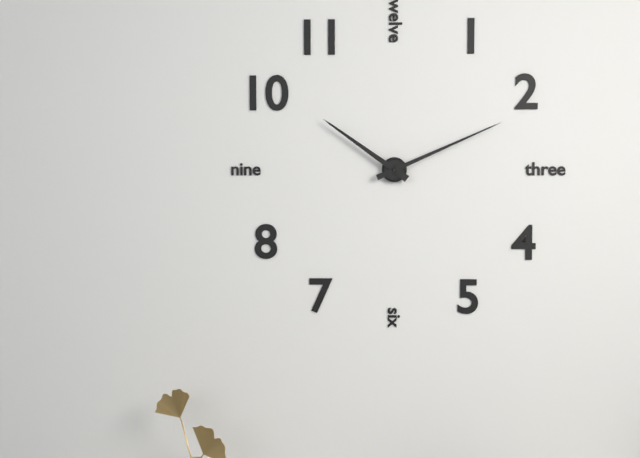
10:11
